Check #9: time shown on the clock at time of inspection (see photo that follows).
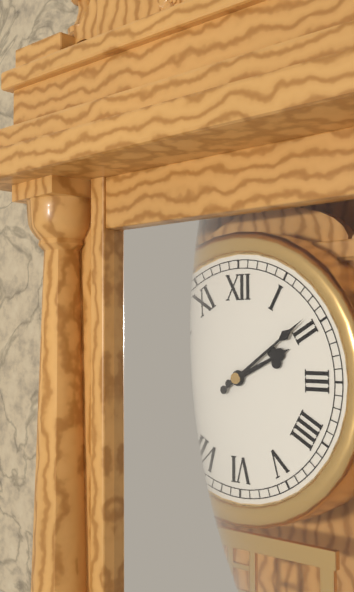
2:09
